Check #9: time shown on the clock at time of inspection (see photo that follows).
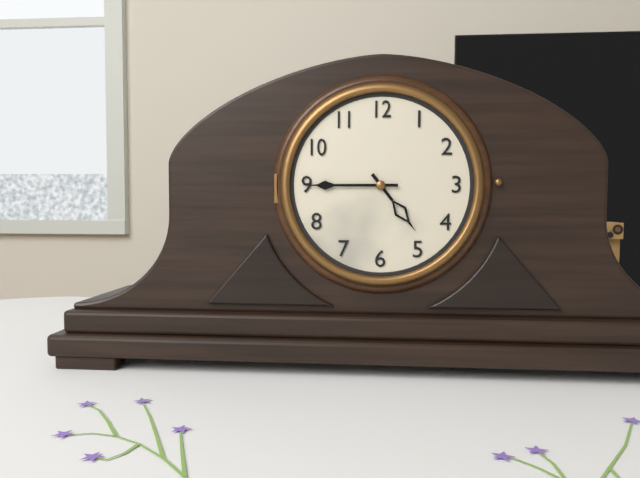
4:45
